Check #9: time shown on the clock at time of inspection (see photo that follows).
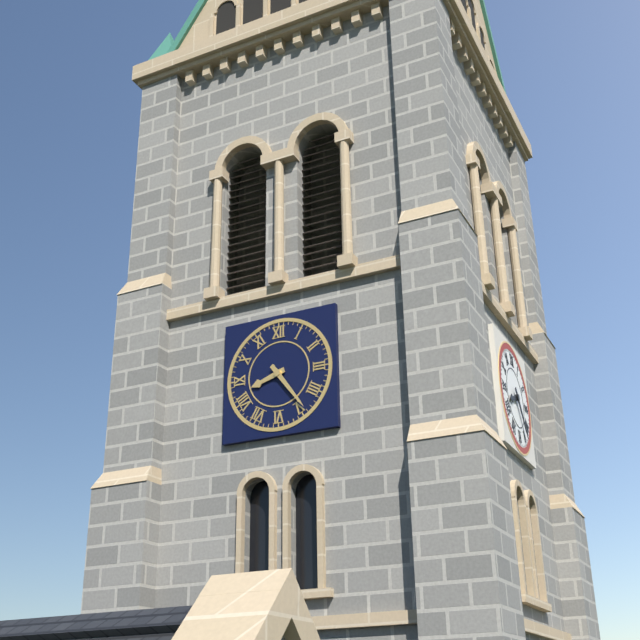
8:24
